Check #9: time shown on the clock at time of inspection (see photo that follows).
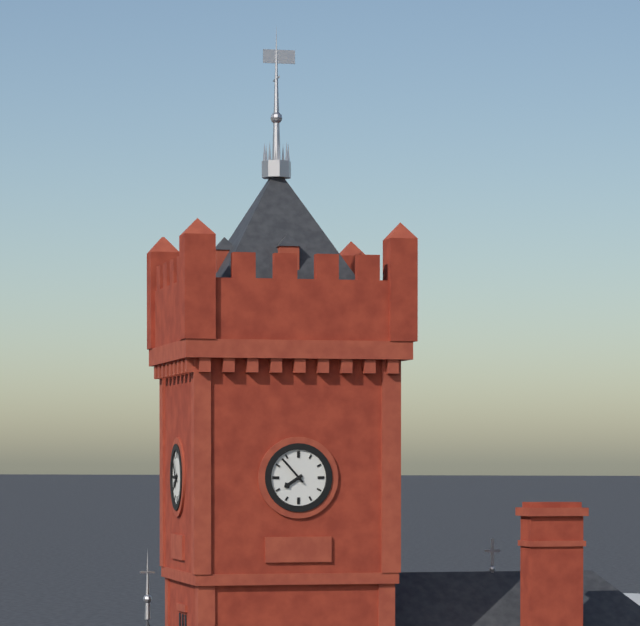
7:53
